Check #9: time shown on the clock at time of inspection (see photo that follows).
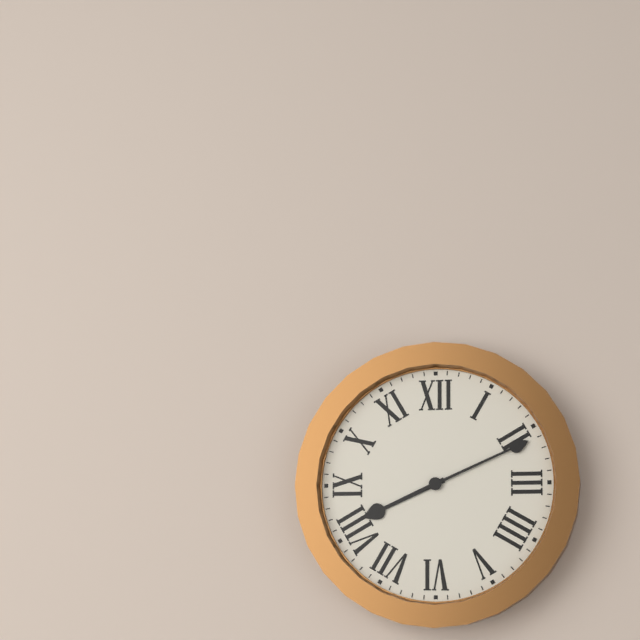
8:11
